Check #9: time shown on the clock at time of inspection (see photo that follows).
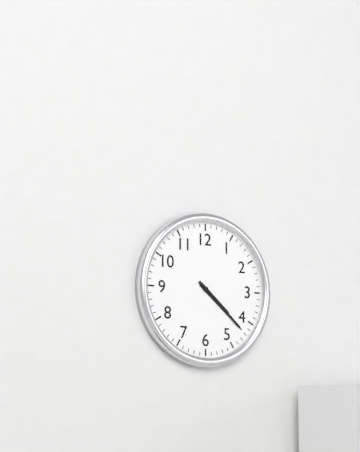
4:22
